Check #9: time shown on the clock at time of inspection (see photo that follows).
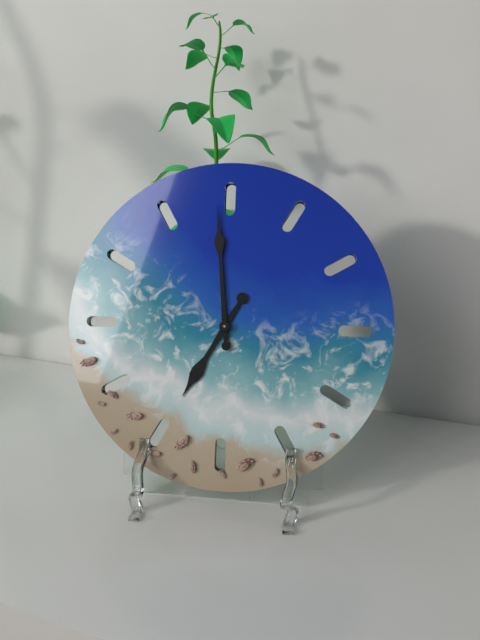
6:59
